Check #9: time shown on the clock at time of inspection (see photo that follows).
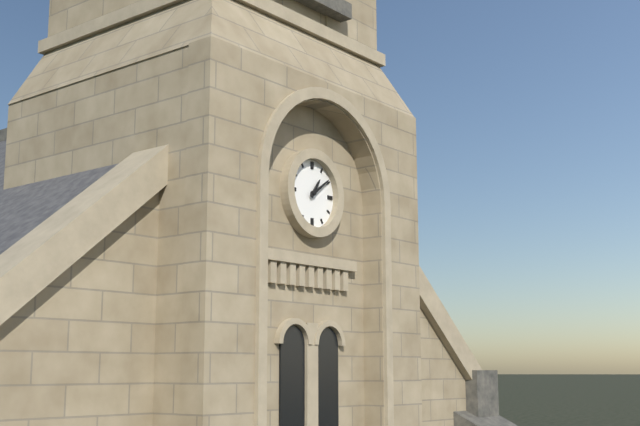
1:09
